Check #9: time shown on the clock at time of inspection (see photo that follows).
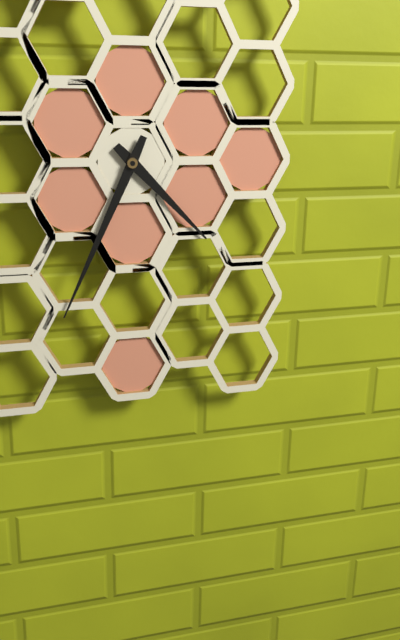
4:34
